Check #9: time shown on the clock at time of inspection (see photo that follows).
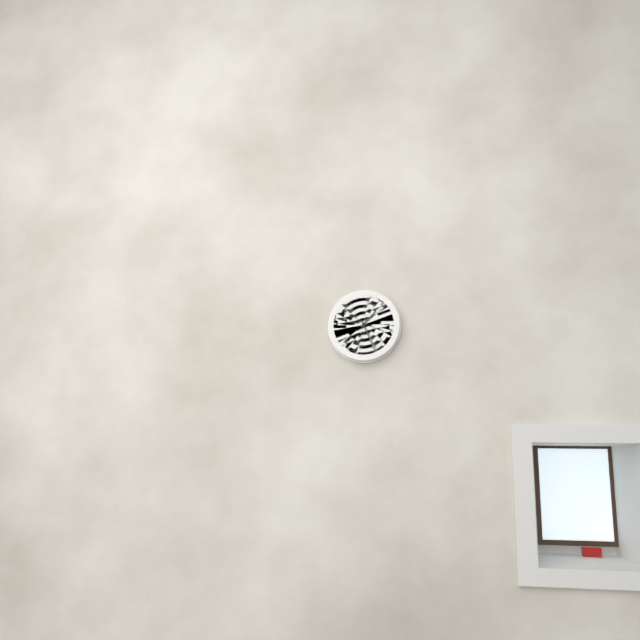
1:26
